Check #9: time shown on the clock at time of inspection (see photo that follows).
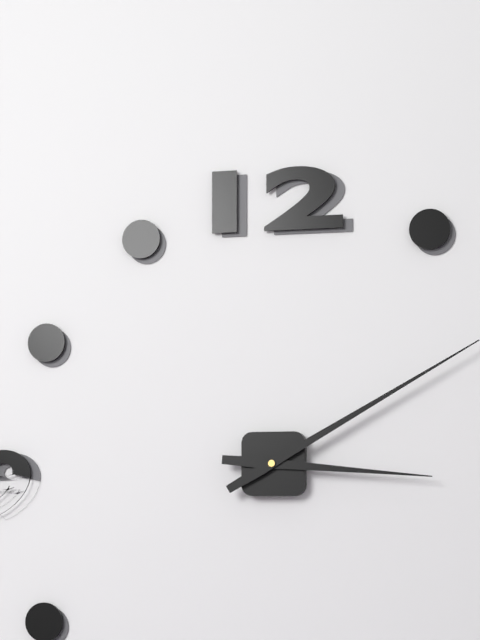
3:10
